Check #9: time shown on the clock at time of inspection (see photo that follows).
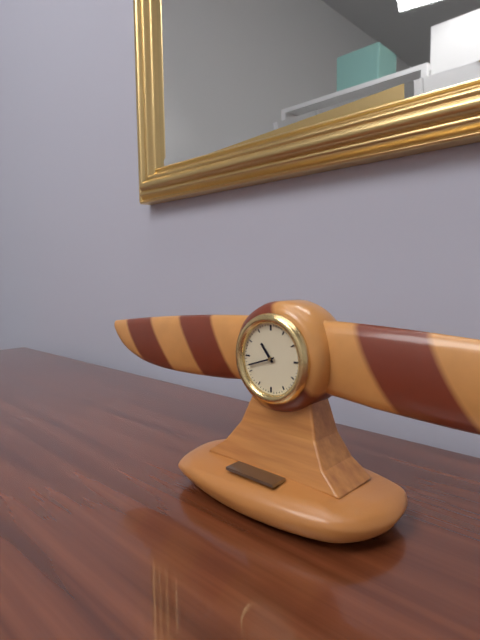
10:42
